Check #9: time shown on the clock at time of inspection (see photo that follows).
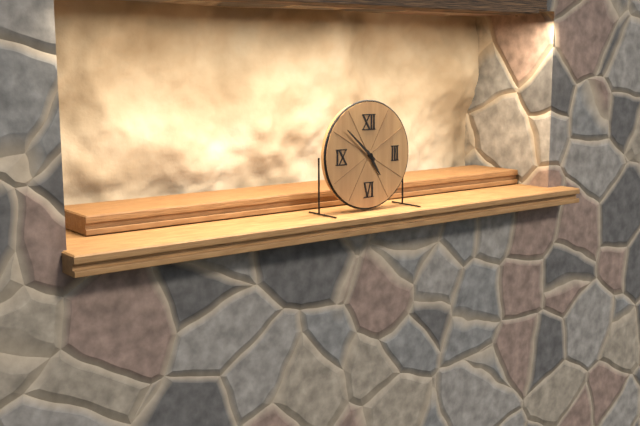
4:52
